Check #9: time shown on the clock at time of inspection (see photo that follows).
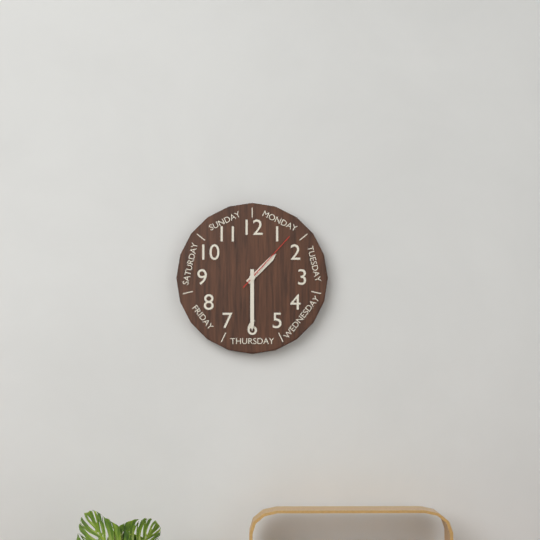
1:30:07
